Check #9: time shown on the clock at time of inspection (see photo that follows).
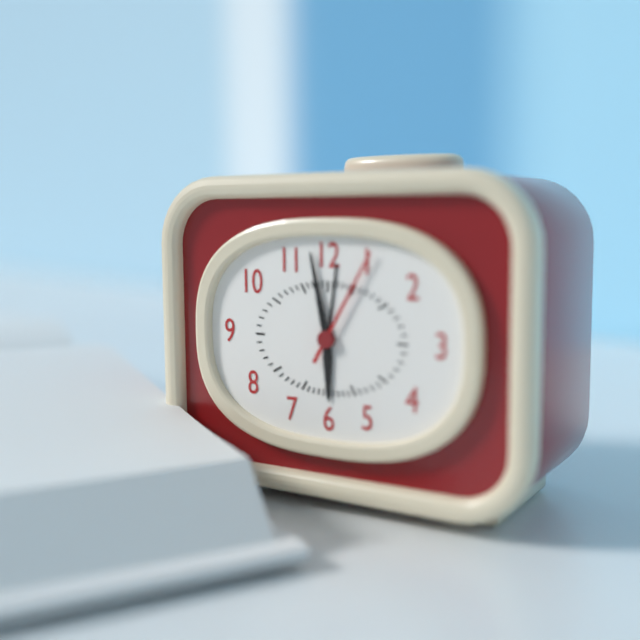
5:58:05
